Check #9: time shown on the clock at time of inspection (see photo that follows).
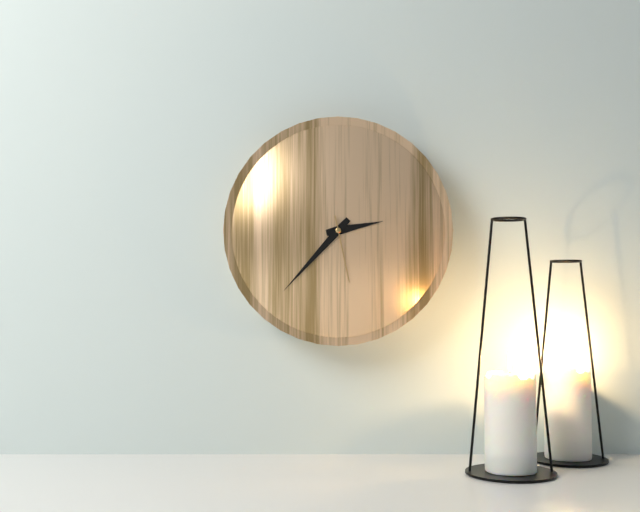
2:37:28
